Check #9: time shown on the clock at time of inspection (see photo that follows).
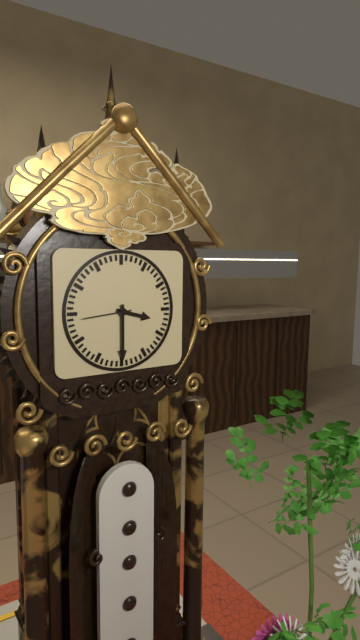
3:30:44
